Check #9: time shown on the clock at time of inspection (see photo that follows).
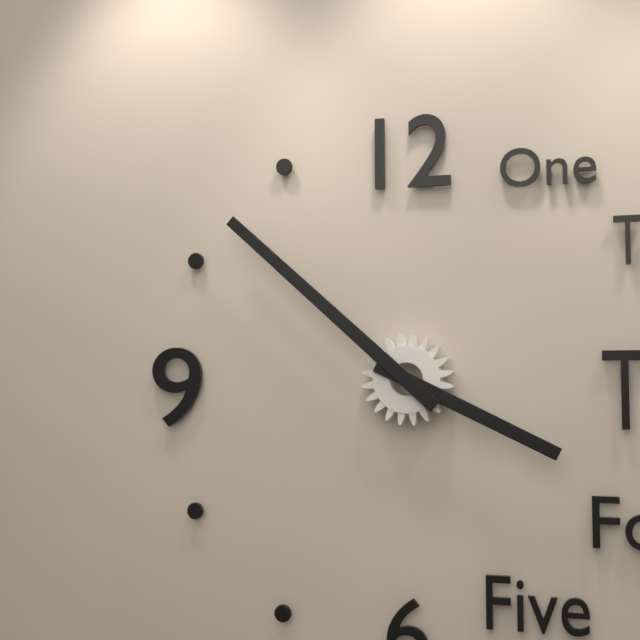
3:52
